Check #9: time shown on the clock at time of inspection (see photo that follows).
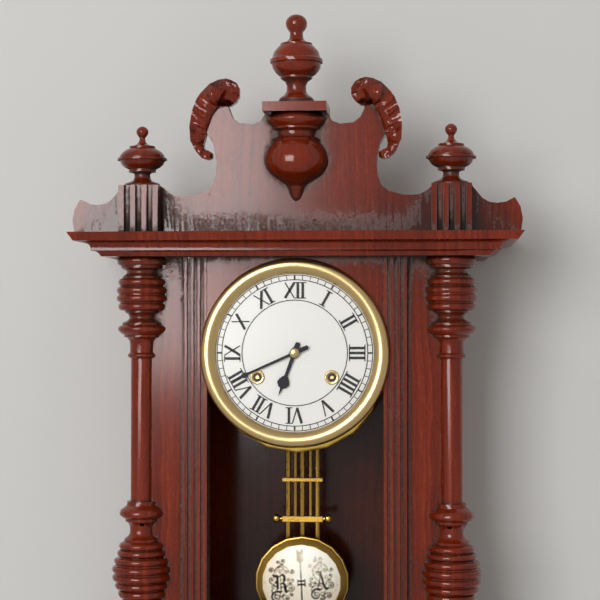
6:41
